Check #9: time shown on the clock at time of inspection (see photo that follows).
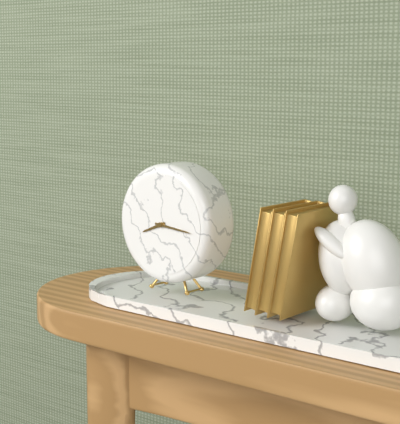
8:16
